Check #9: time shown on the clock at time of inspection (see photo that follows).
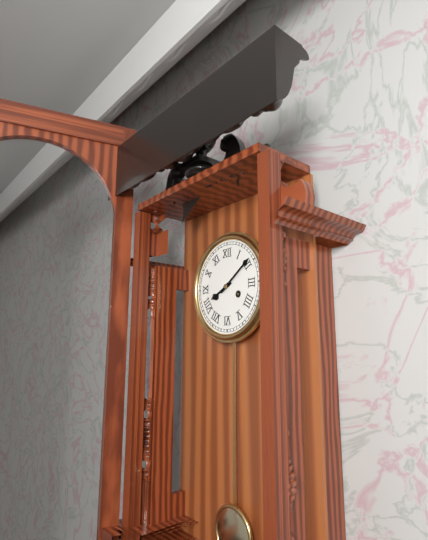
8:09
